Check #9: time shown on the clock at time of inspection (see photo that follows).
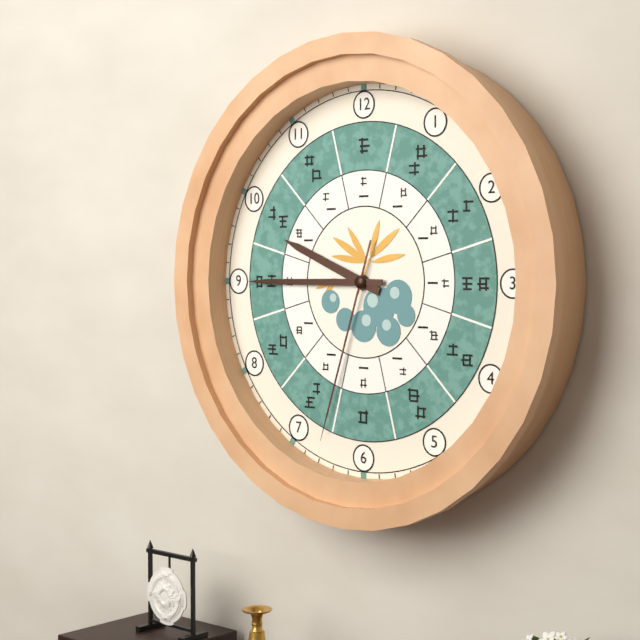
9:45:33
